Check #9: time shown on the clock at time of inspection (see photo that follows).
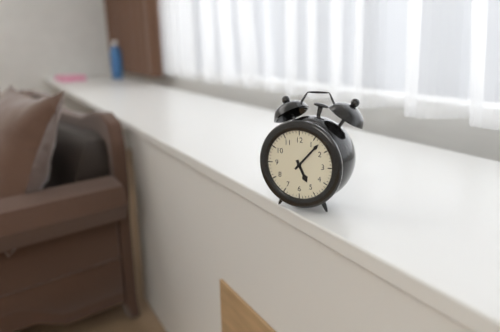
5:07
